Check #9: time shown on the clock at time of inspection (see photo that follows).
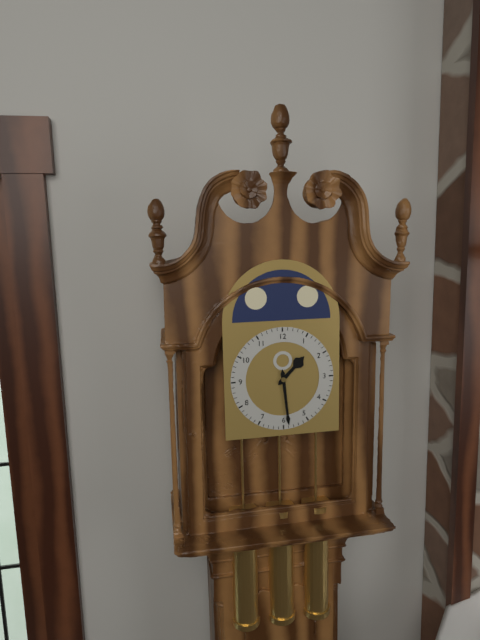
1:29
